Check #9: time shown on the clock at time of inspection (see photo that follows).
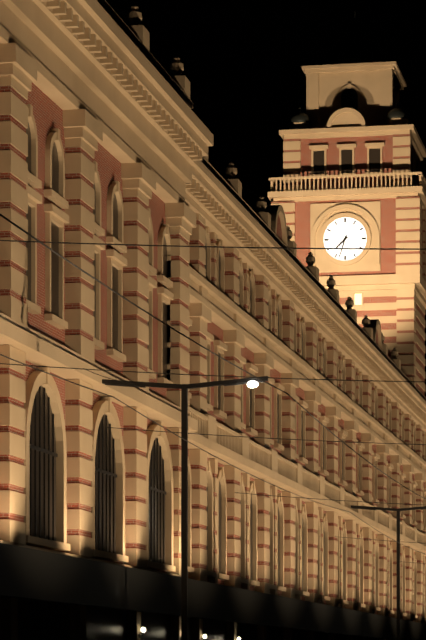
7:33
